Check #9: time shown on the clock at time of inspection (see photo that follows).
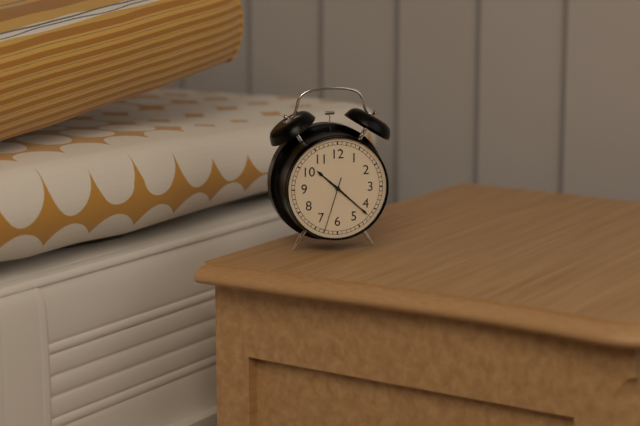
10:22:33
